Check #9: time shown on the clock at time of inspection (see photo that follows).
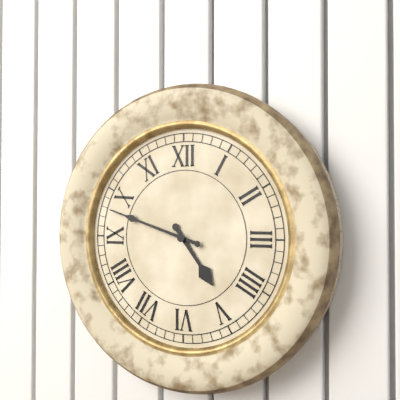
4:48
